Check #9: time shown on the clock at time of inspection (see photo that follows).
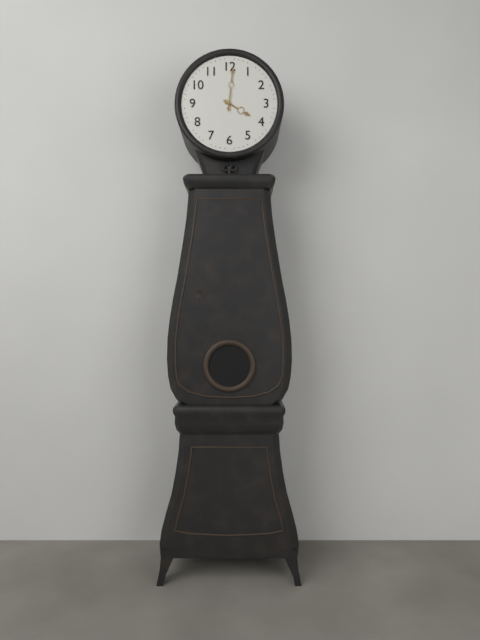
4:01
